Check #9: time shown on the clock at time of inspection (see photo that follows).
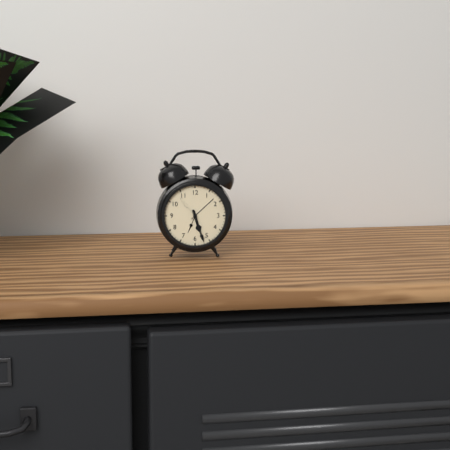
5:27
